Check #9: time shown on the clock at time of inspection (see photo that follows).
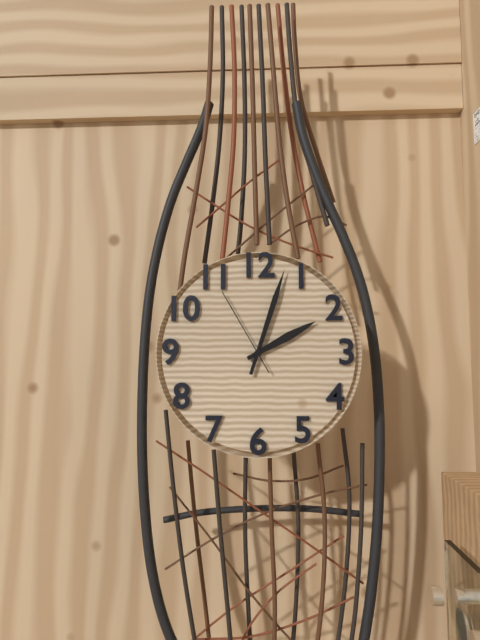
2:03:55
